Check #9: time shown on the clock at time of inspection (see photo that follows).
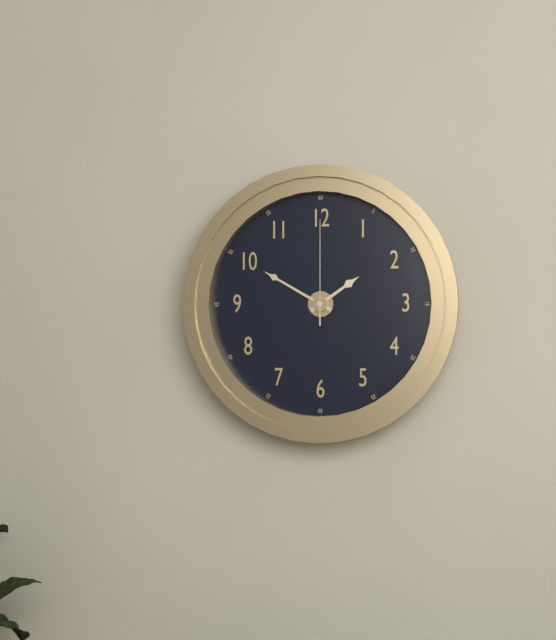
1:50:00
